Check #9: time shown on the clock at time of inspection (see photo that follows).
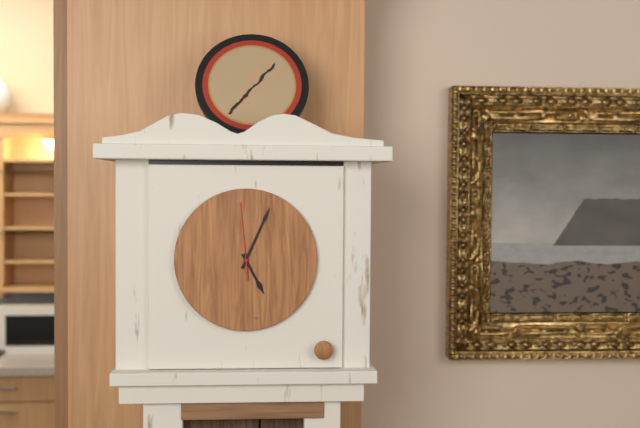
5:04:59
